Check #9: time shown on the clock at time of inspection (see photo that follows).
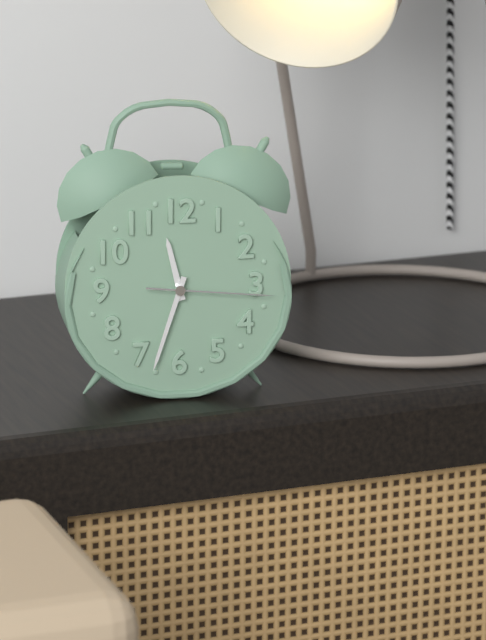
11:33:16
